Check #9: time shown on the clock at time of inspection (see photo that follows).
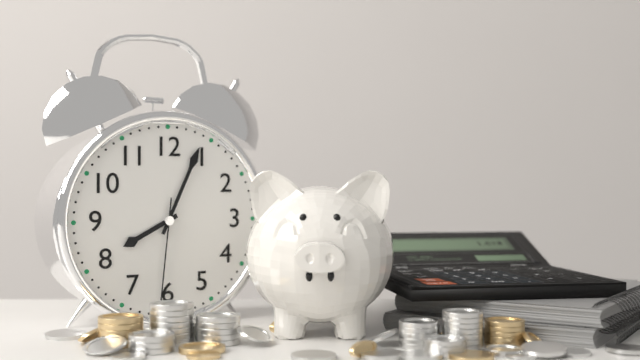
8:04:31
